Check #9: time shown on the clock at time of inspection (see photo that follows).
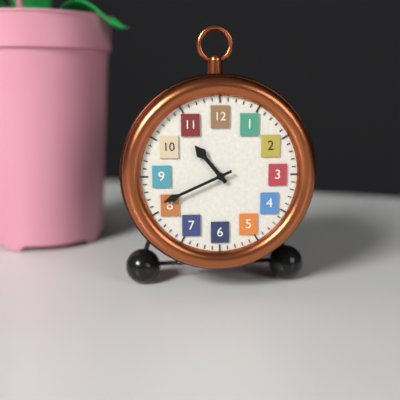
10:41
